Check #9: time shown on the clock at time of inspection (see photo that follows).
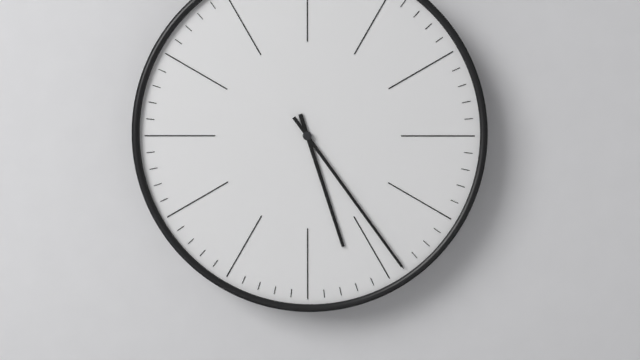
5:24
